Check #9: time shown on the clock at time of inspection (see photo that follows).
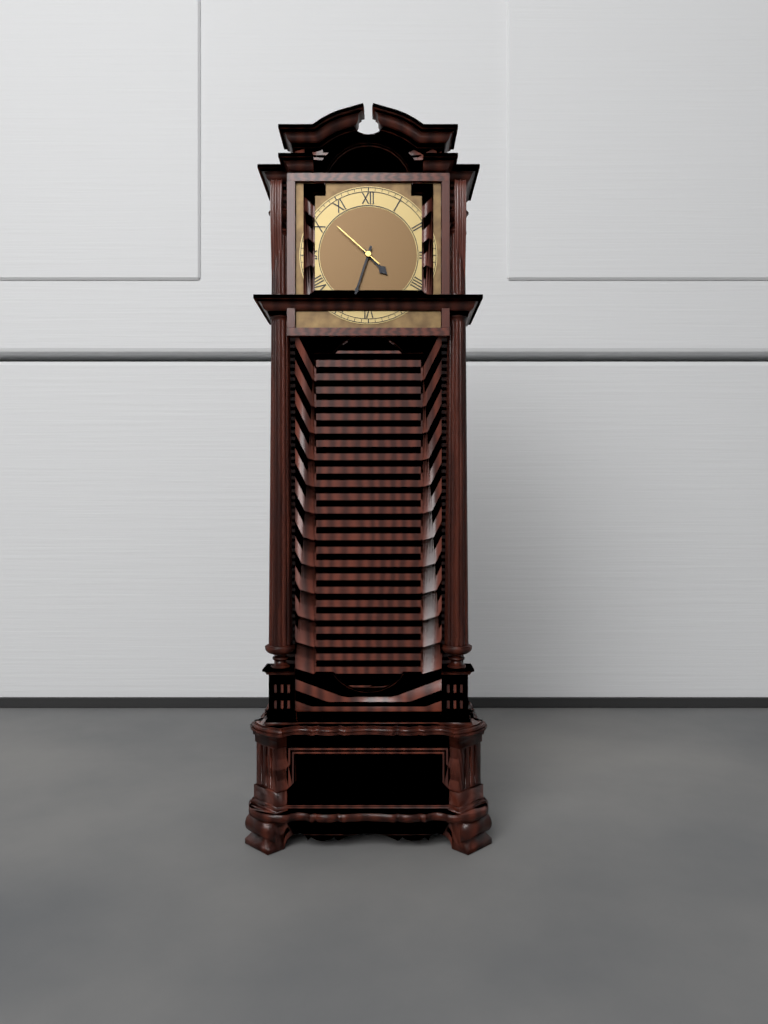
4:33:52
